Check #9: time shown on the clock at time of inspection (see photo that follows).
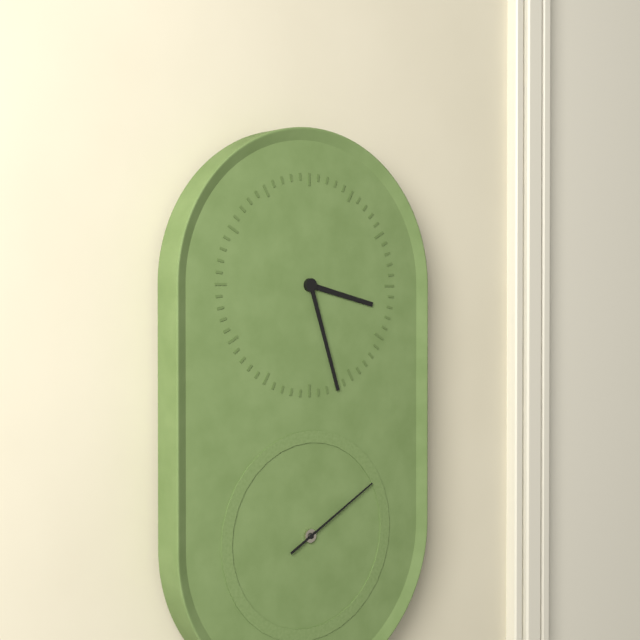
3:27:10
